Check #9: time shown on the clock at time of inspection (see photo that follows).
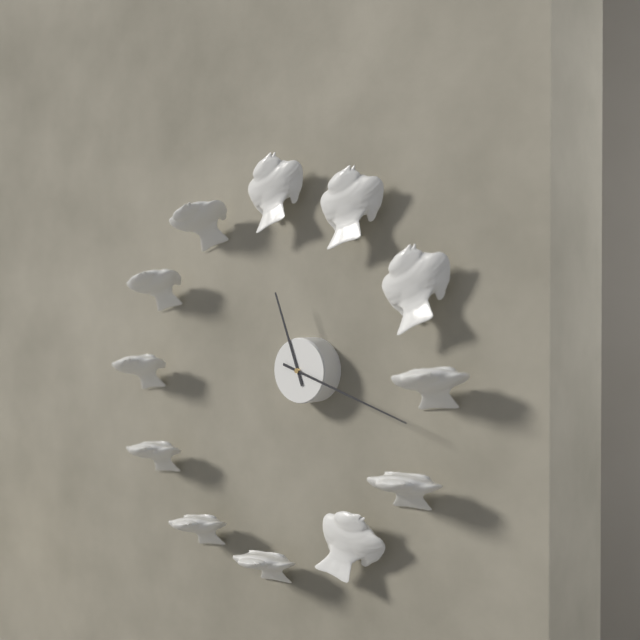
11:18
